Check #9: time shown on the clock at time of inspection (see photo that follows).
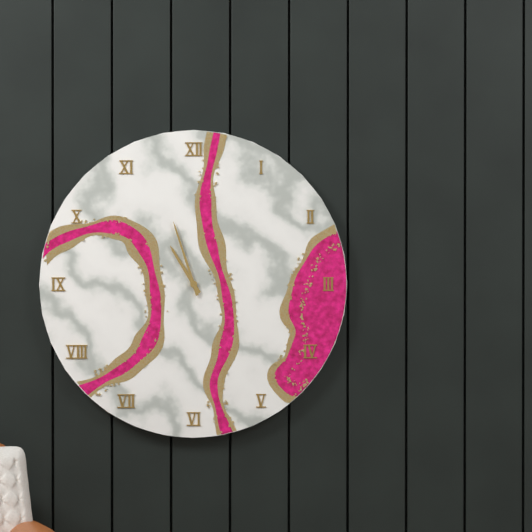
10:57
